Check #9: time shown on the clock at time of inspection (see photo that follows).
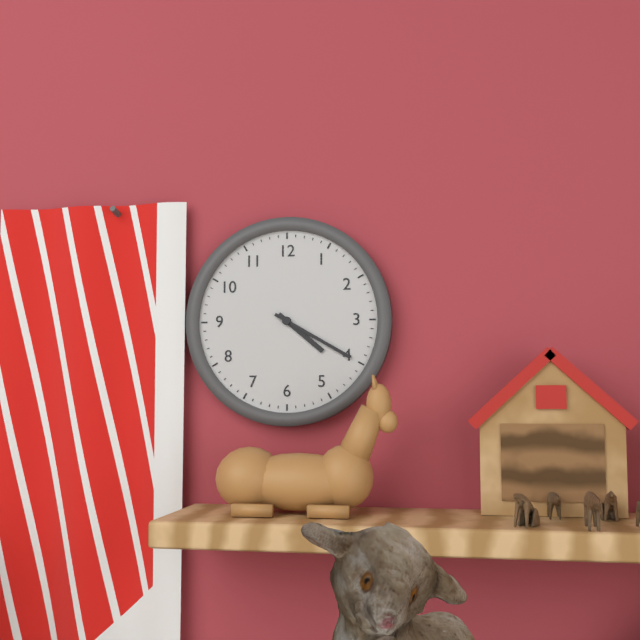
4:20
